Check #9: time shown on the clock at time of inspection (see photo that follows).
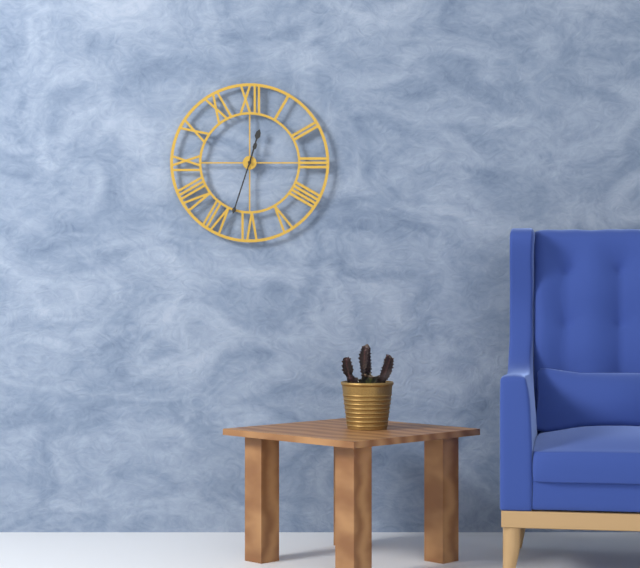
12:33
